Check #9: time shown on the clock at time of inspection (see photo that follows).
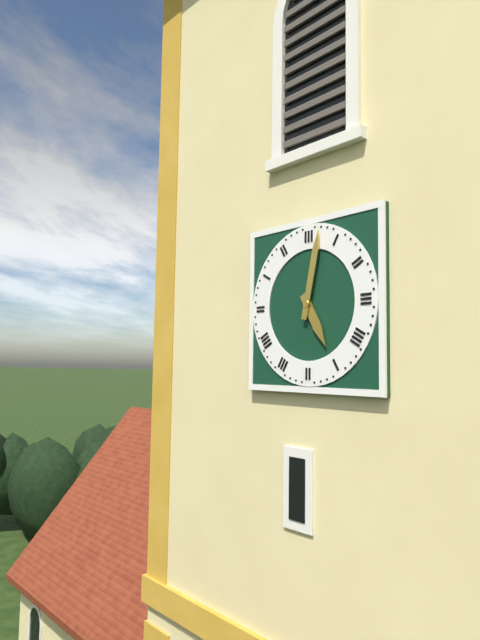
5:02
